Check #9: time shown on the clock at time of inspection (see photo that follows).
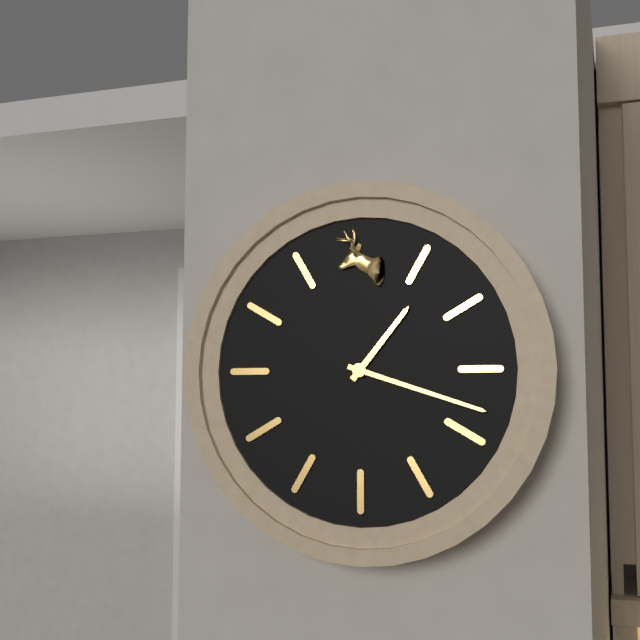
1:18
